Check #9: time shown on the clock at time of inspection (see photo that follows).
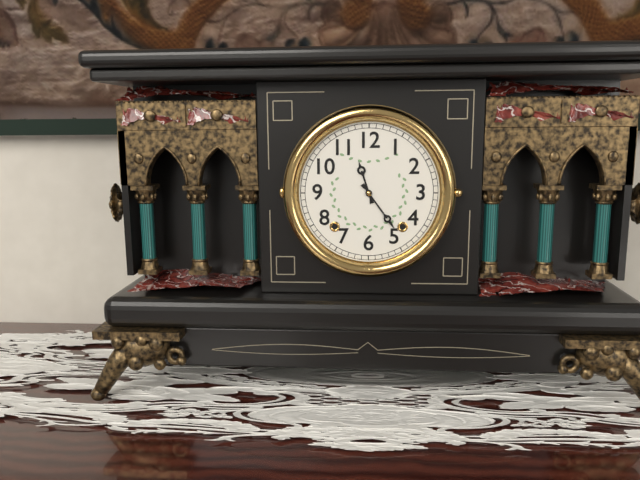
11:24
